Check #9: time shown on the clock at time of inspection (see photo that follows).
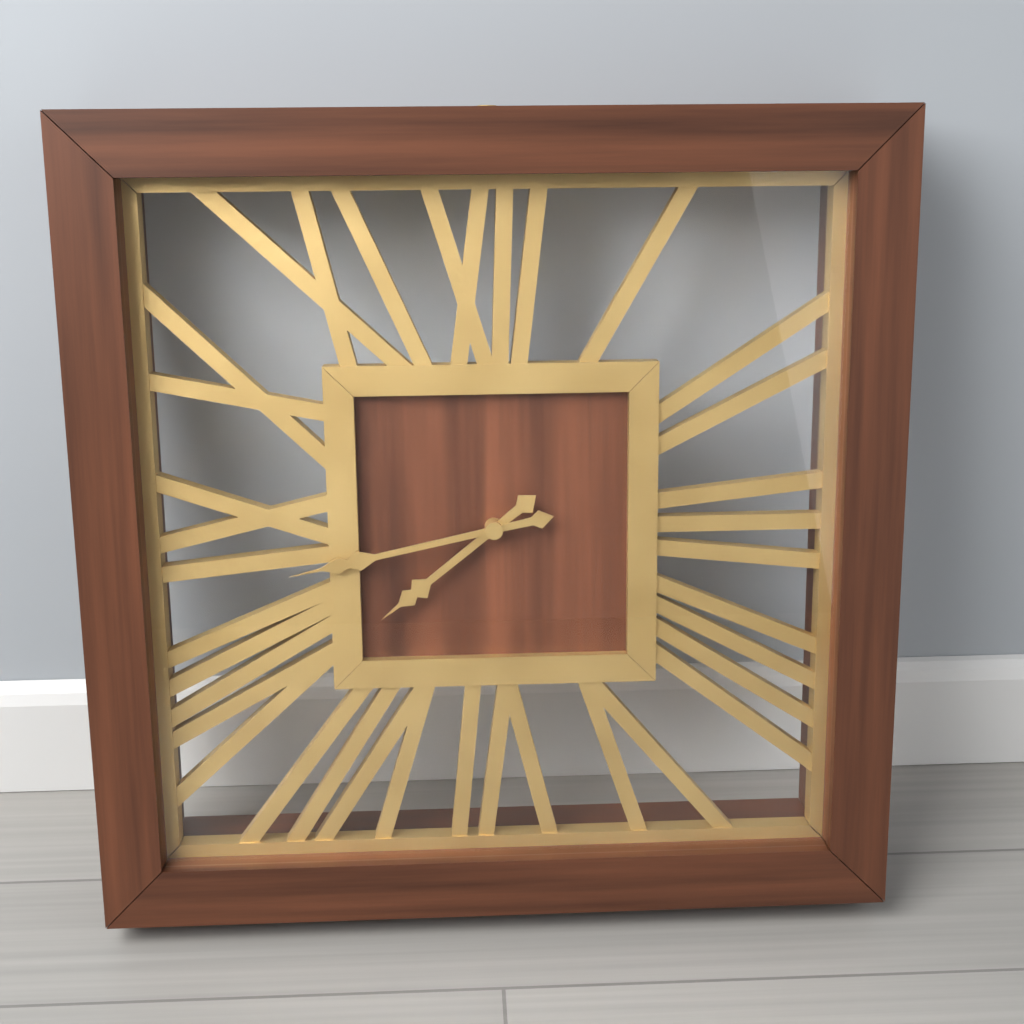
7:43
